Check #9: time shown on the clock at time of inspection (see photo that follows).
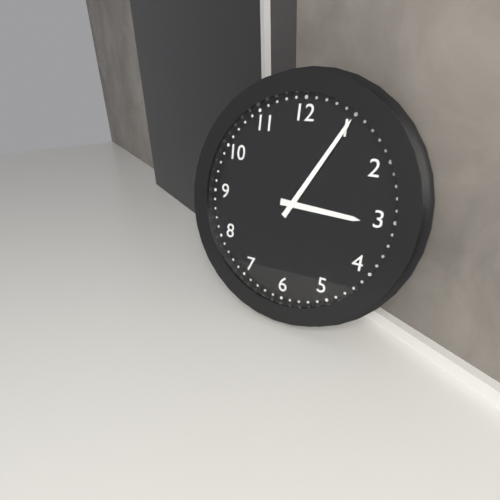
3:05
